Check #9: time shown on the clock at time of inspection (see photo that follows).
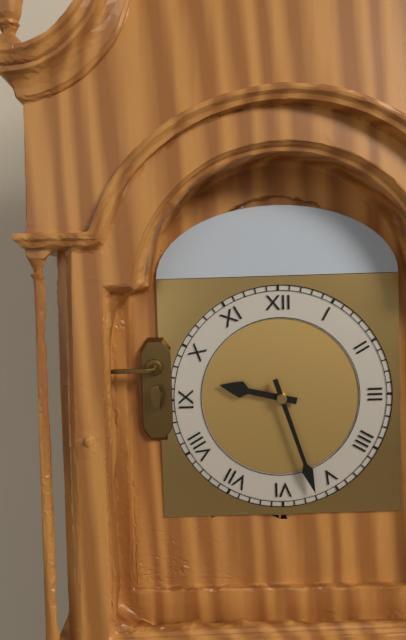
9:27
